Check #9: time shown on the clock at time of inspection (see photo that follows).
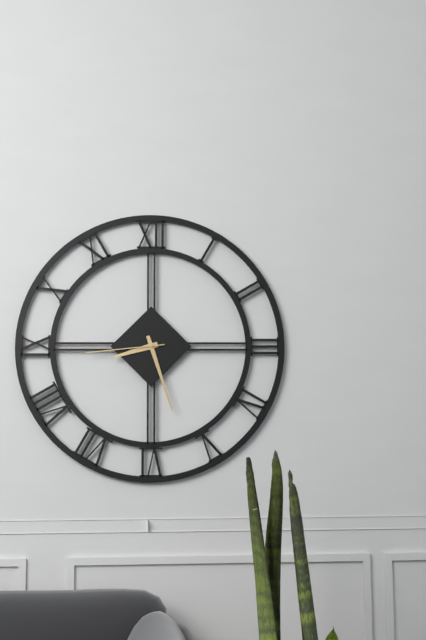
8:27:44
